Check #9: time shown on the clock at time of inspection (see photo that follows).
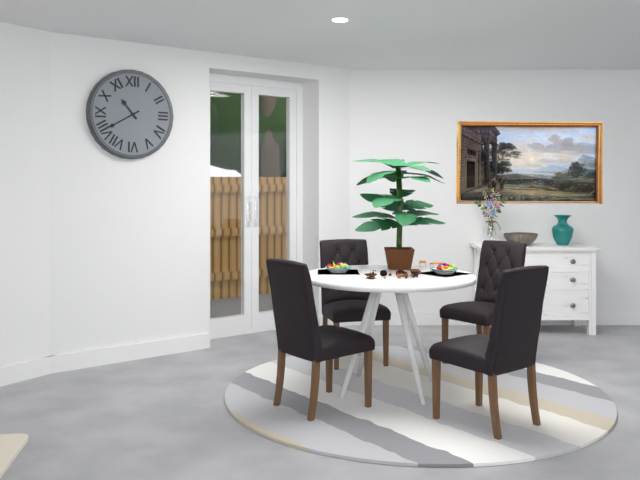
10:40
